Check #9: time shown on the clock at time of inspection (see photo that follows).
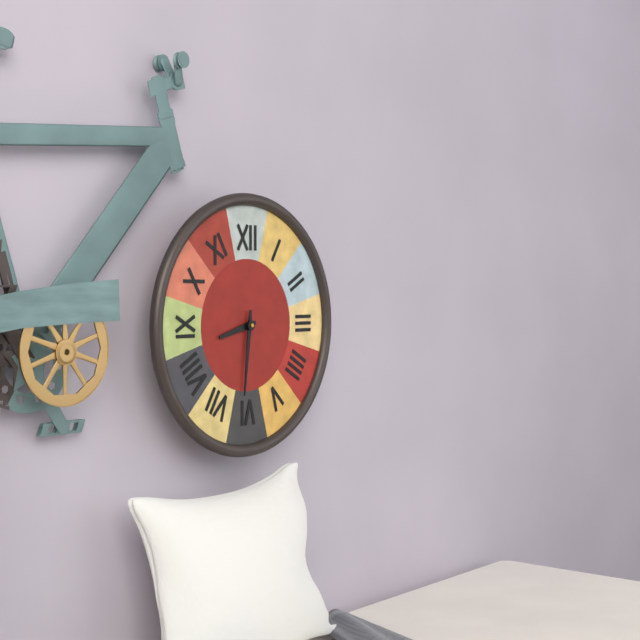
8:31
